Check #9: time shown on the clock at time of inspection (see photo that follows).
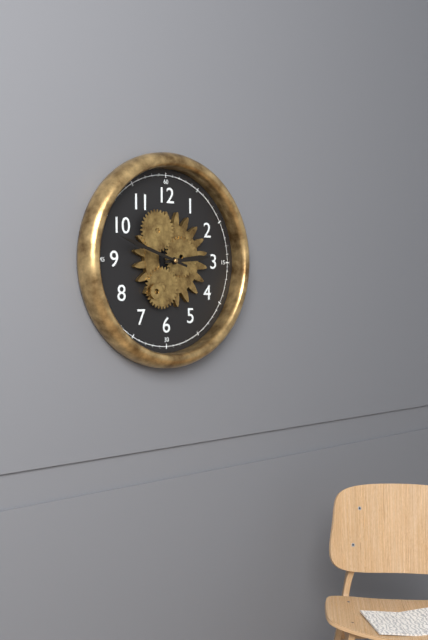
2:48
